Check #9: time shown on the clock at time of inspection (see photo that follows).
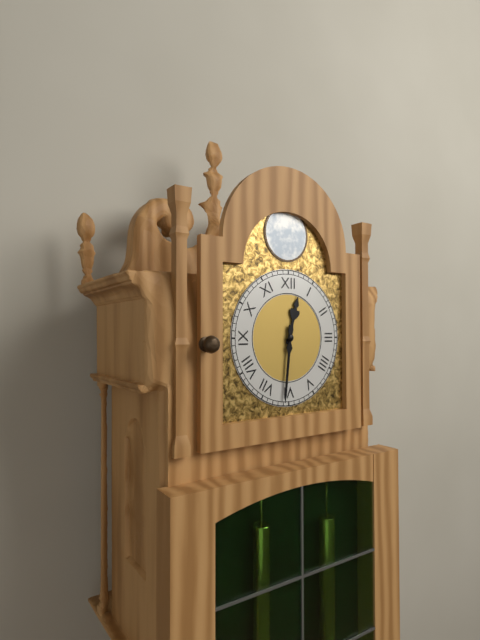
12:31
